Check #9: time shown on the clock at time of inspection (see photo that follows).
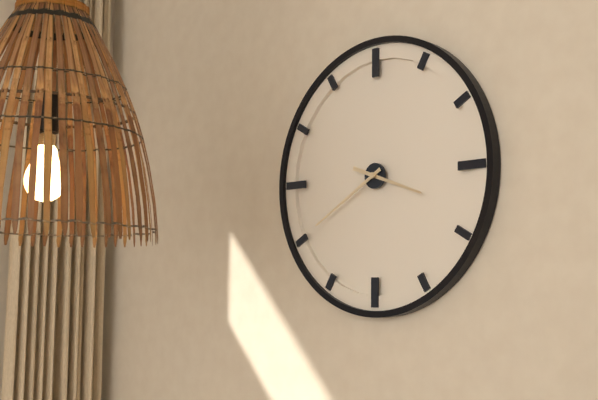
3:40
